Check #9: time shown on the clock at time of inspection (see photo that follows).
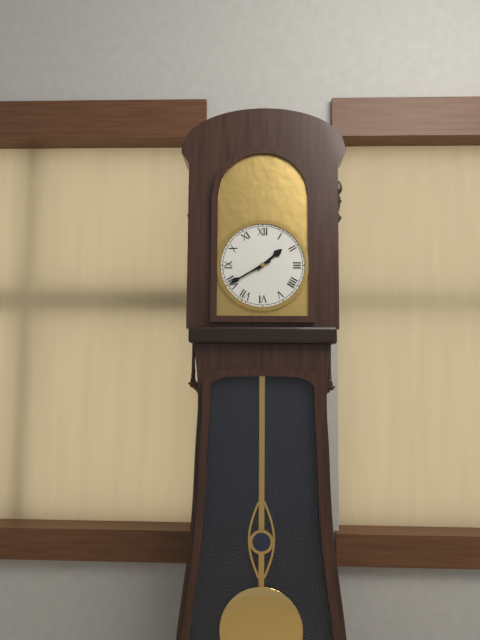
1:40
